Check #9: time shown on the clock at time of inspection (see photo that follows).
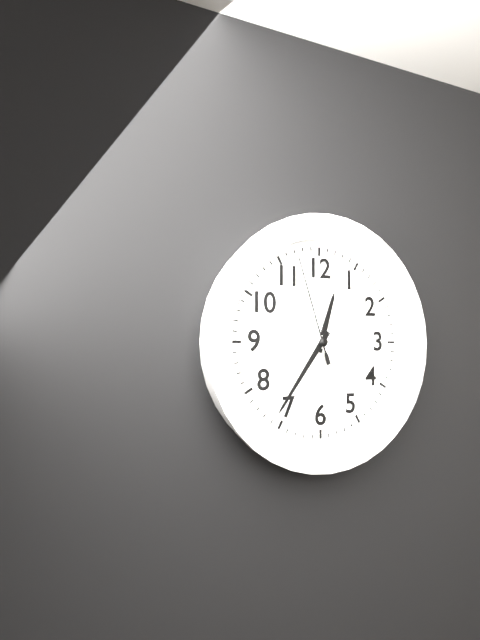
12:36:57
